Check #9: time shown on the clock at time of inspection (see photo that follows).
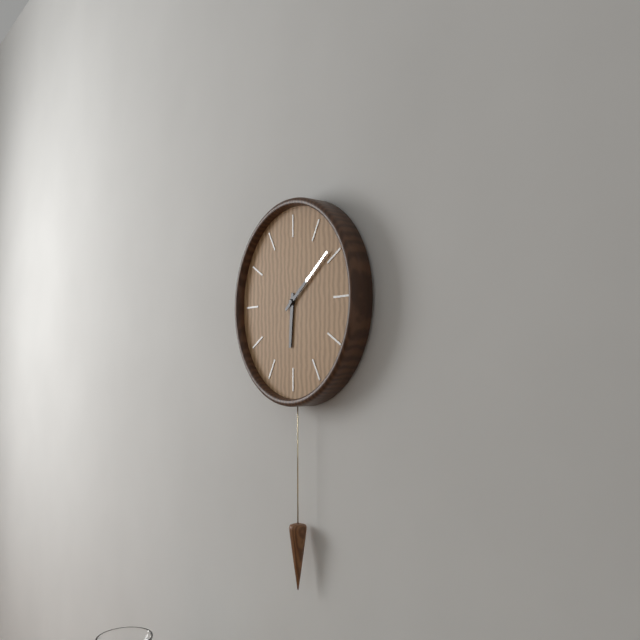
6:09
